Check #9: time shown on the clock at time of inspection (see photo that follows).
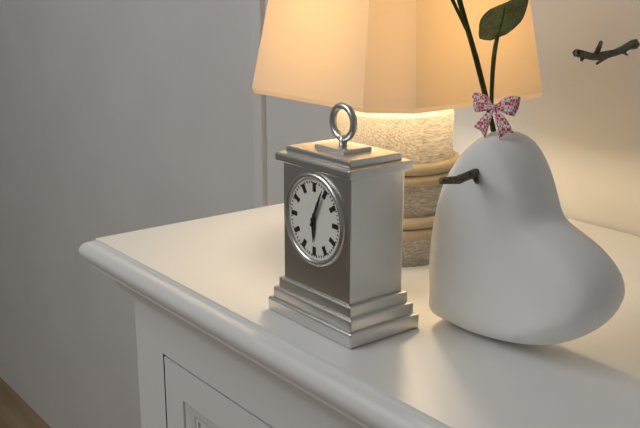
6:04
